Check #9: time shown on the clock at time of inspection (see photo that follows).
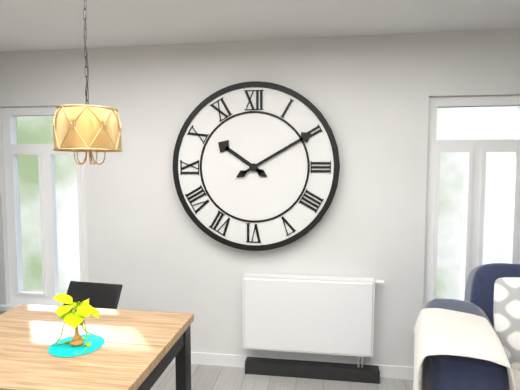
10:10
